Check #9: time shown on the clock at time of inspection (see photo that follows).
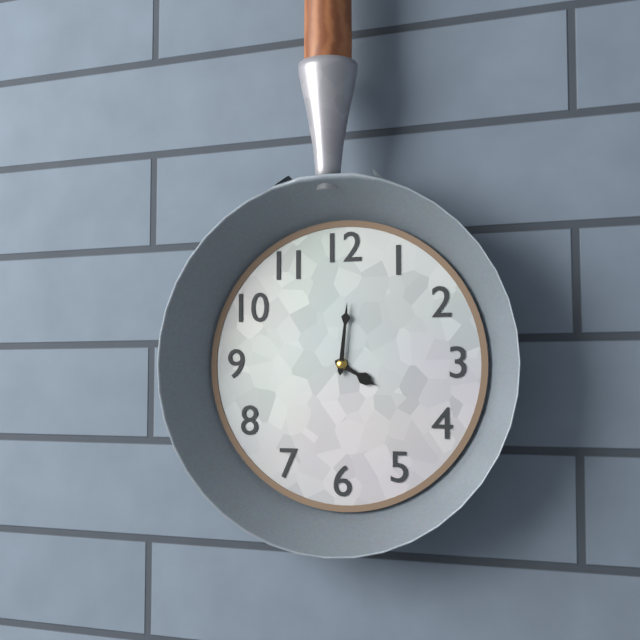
4:01
